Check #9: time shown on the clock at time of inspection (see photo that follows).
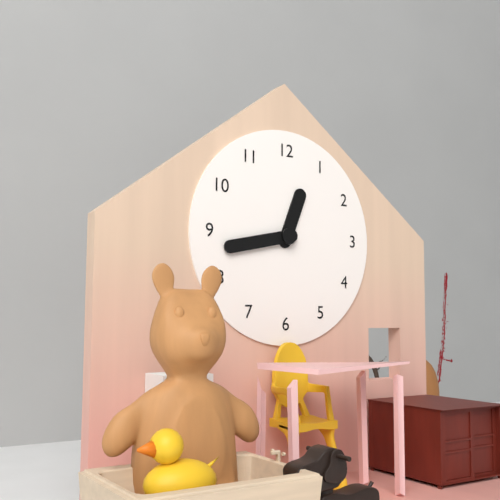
12:43
